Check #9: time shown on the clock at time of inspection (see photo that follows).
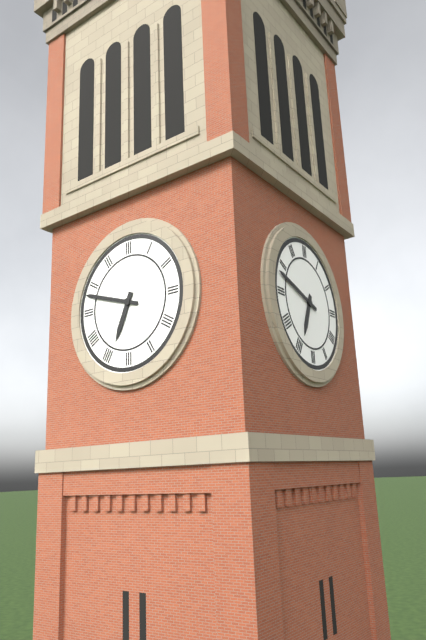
6:48
